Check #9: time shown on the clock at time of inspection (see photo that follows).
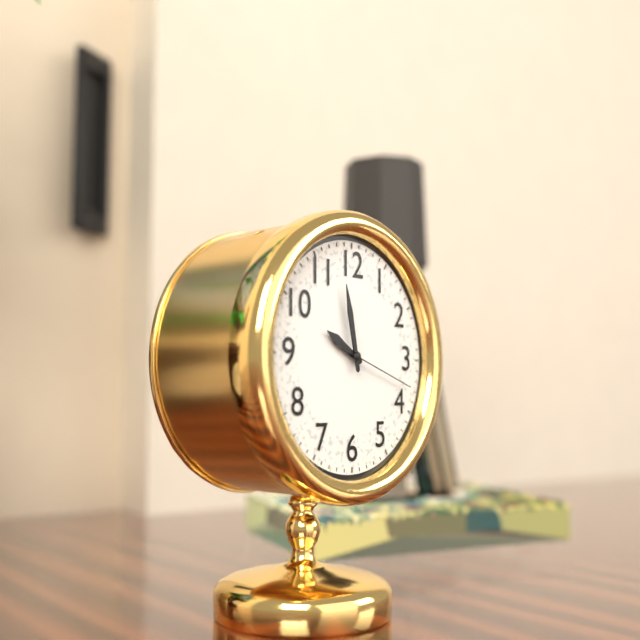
9:58:18
